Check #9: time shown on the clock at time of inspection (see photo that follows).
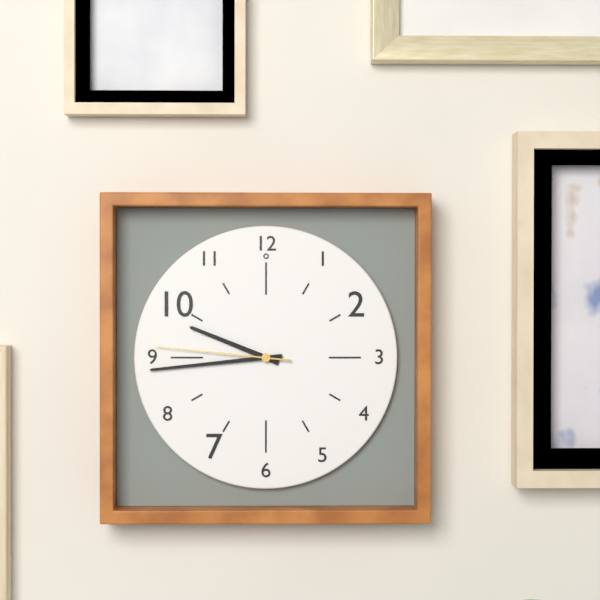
9:44:46
